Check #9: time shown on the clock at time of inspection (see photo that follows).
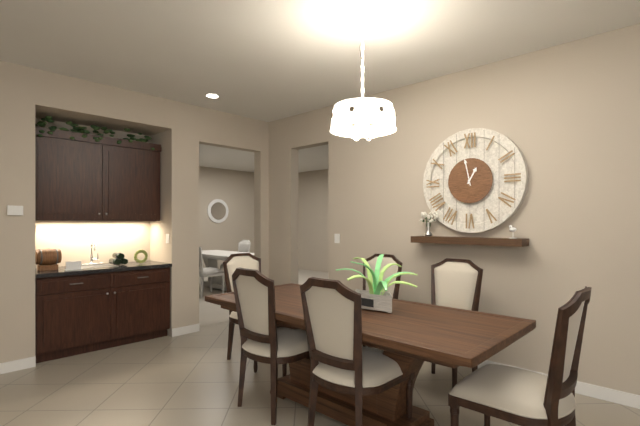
12:58
